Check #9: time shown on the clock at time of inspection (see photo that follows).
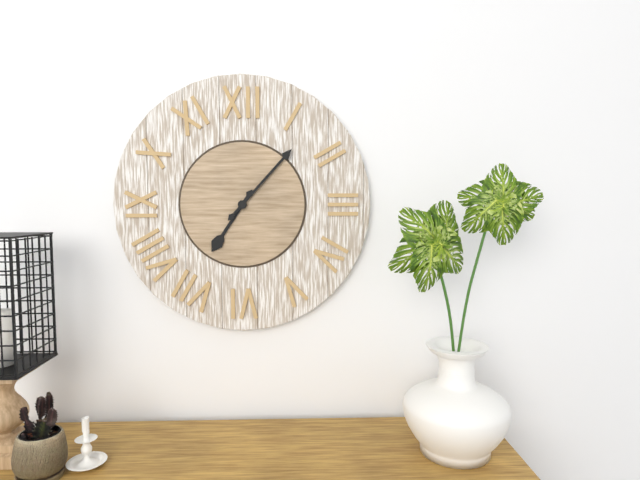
7:07
